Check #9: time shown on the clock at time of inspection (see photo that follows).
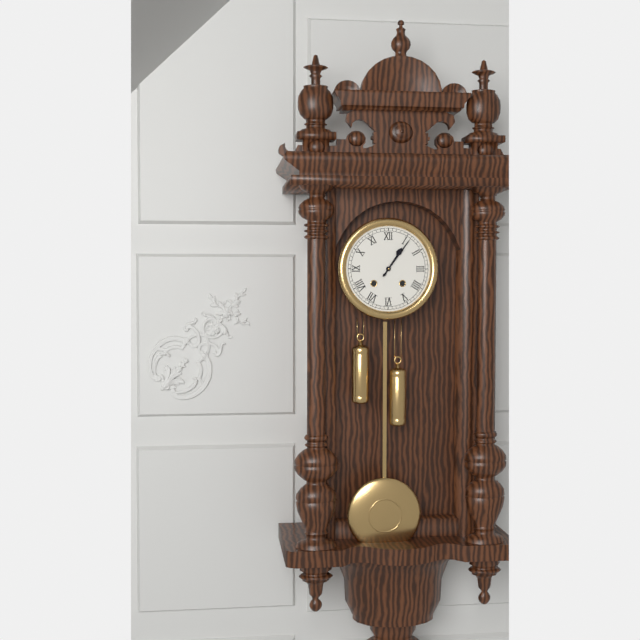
1:06
